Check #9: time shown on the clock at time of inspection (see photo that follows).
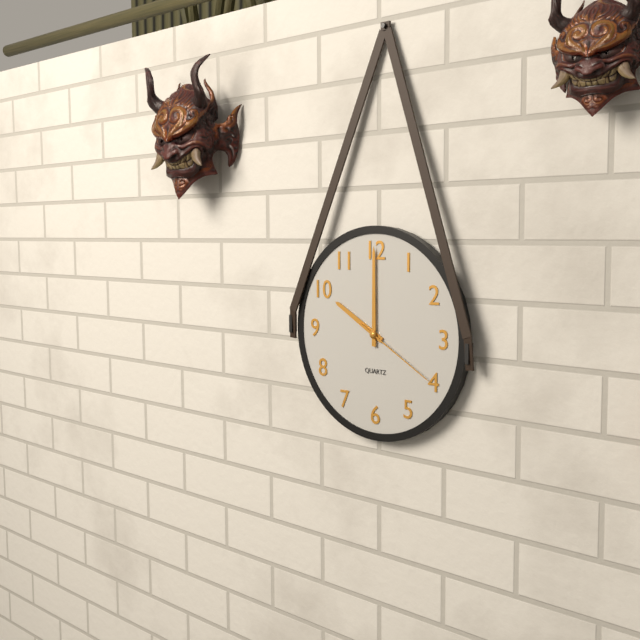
10:00:20
